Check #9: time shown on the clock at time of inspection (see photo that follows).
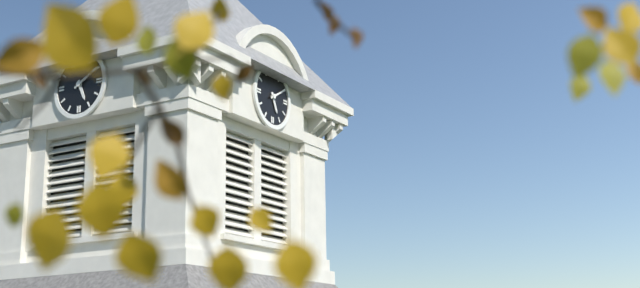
5:10
